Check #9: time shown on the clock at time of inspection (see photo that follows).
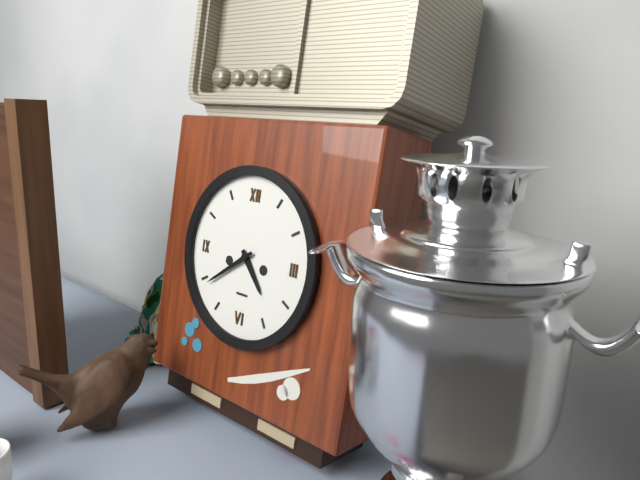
4:39
